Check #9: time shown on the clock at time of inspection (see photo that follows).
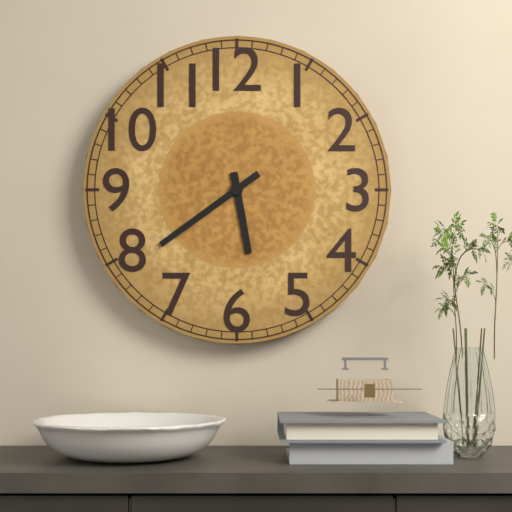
5:39
